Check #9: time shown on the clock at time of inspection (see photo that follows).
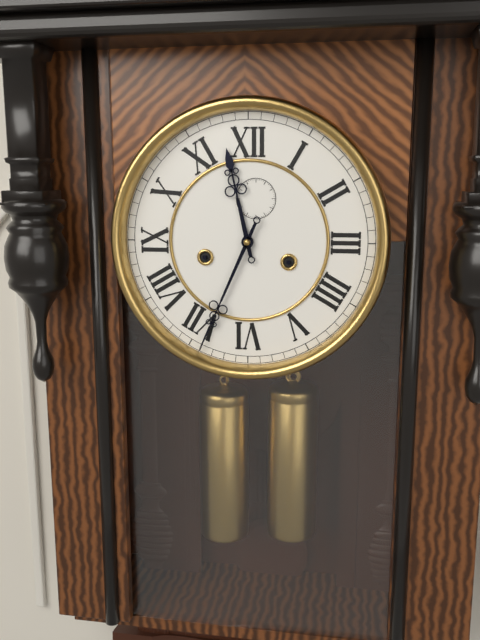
11:34
